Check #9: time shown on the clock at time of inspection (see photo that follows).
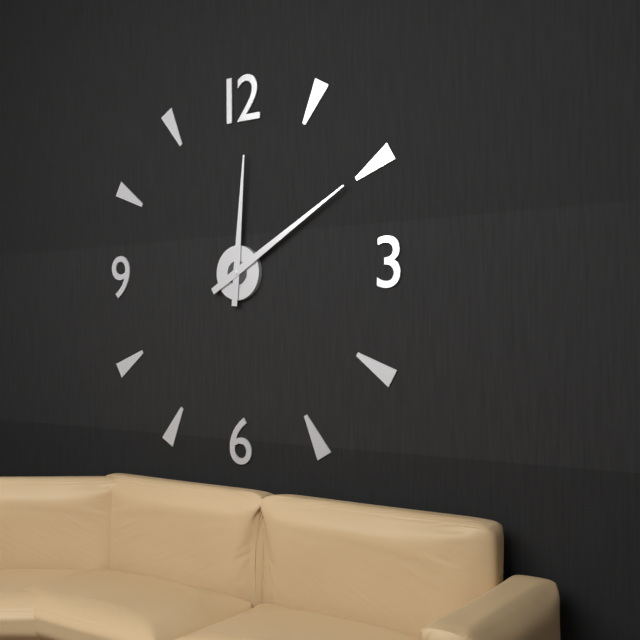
12:10
